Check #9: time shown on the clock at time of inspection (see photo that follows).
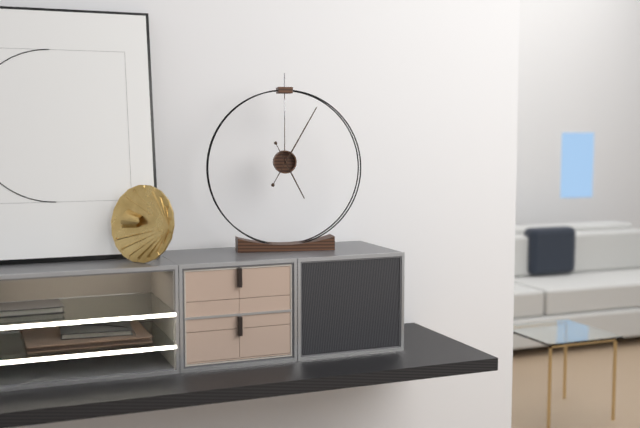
5:05
